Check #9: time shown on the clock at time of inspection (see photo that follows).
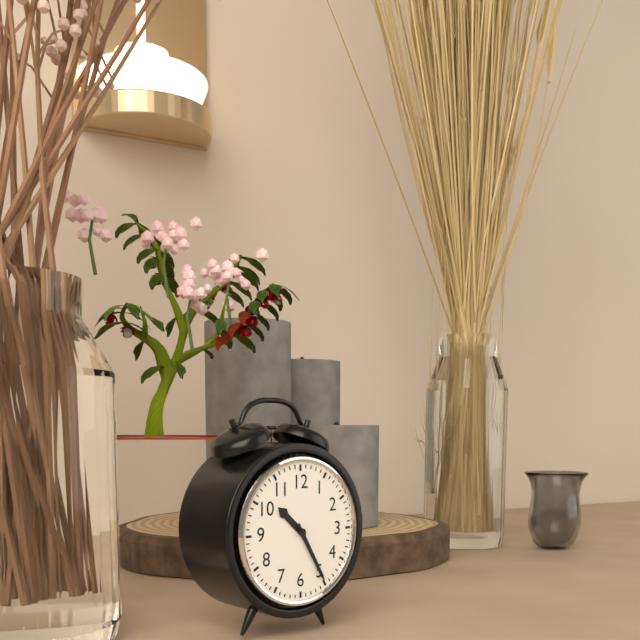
10:25
